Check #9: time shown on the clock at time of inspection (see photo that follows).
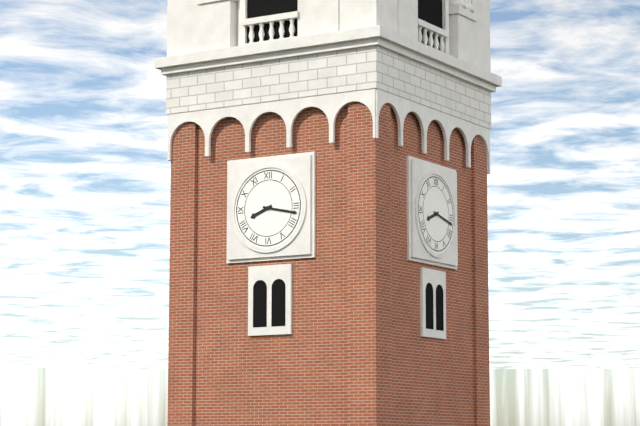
8:17
